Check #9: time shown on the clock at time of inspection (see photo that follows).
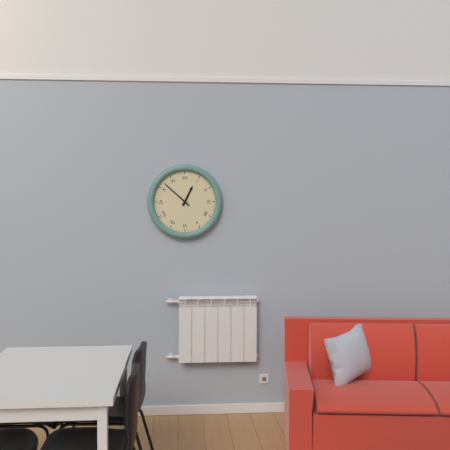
12:52
